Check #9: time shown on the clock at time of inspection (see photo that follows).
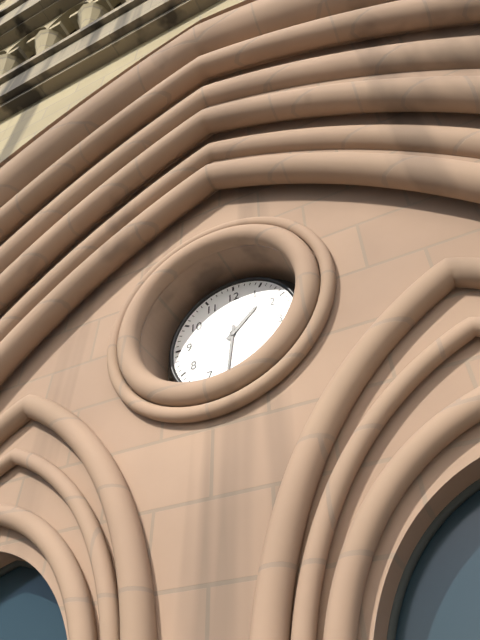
1:31
